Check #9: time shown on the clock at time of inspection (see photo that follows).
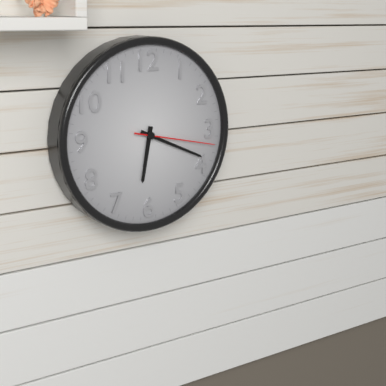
6:19:17
